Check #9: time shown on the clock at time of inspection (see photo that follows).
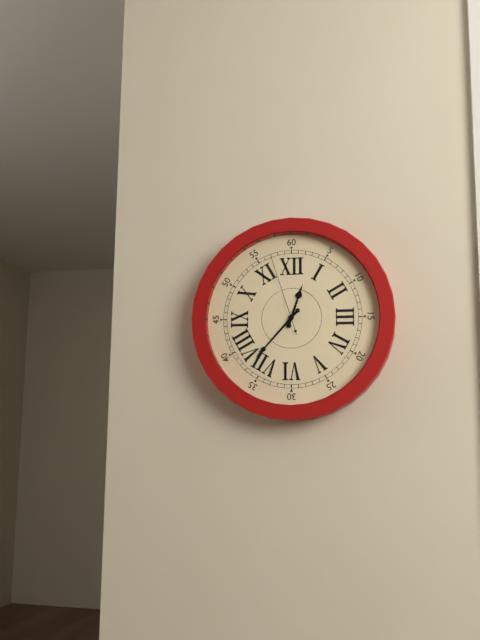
12:37:57
